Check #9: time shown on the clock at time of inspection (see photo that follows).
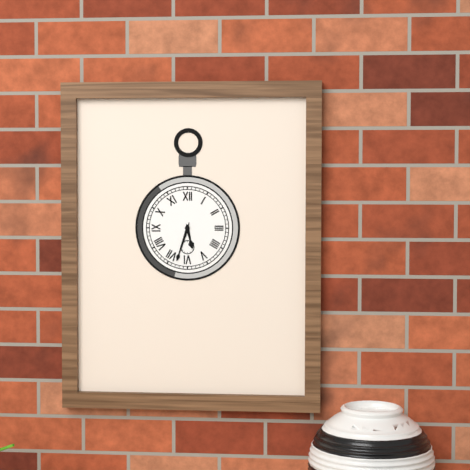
5:33
